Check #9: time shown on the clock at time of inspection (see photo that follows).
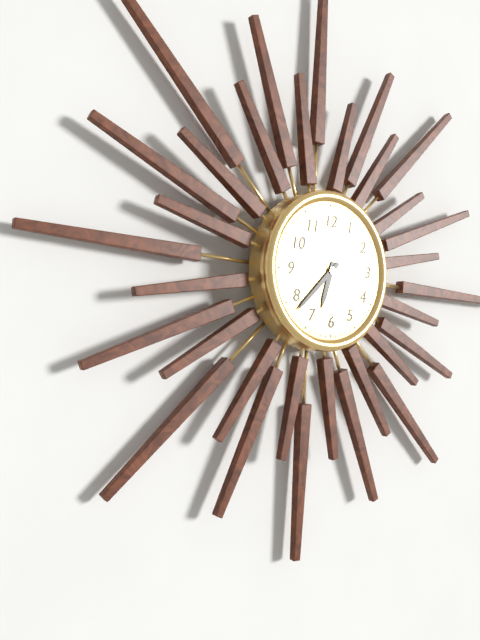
6:38
